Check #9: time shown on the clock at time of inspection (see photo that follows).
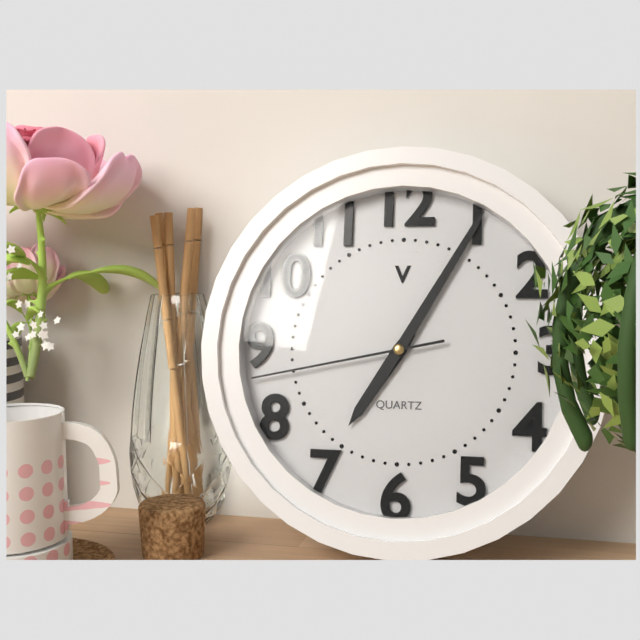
7:05:43
